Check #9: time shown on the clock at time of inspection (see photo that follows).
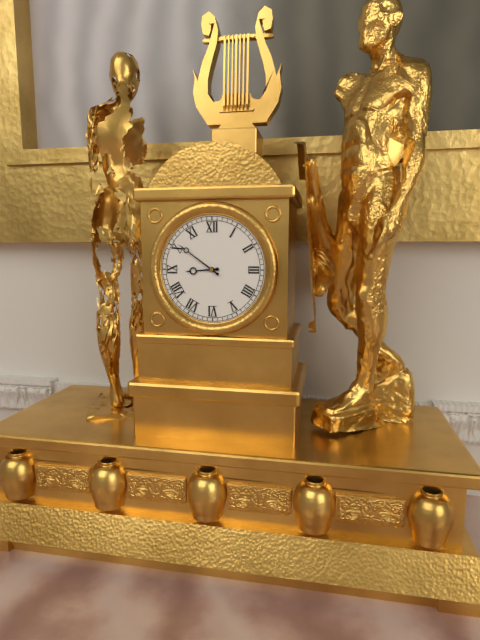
8:51
